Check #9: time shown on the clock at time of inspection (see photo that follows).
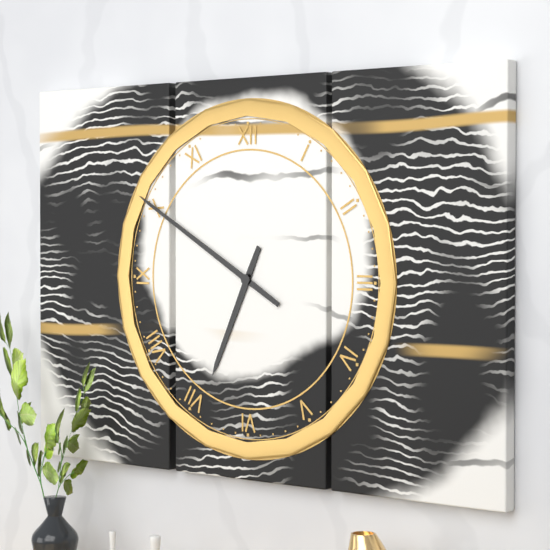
6:50
